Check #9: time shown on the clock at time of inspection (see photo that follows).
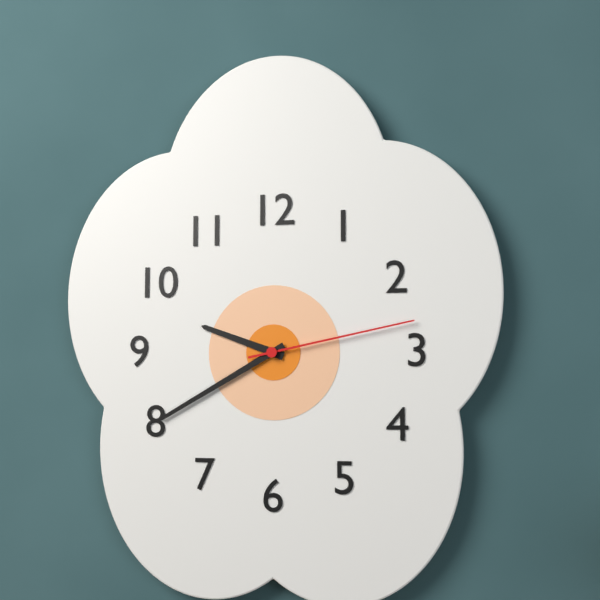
9:40:13
